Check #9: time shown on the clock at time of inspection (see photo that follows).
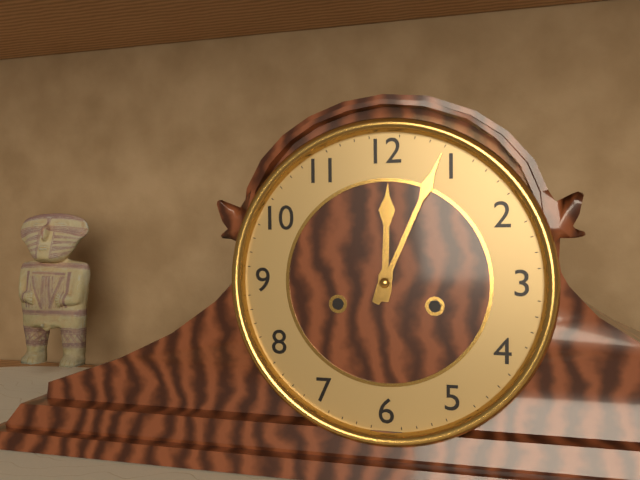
12:04
